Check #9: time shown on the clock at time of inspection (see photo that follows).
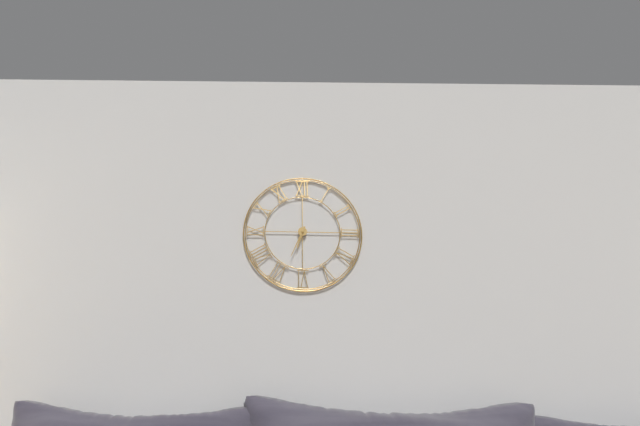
6:34
